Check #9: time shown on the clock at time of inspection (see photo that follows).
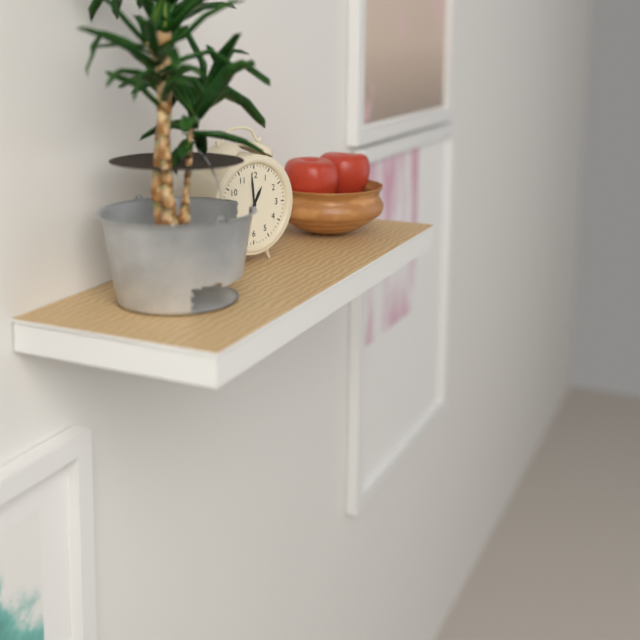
12:59
